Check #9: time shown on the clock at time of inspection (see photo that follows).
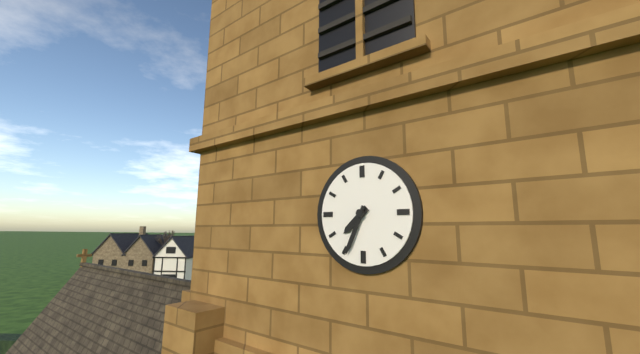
7:34
